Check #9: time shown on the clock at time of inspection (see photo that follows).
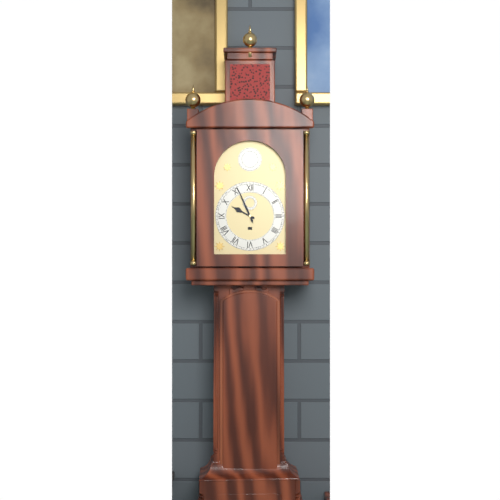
9:56
